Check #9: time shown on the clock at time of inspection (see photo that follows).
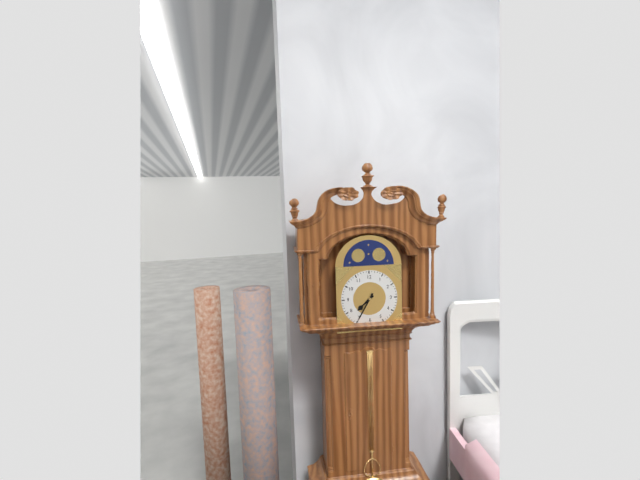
7:35
